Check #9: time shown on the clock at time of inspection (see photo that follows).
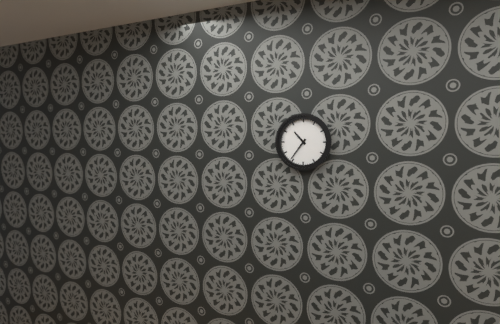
10:36
